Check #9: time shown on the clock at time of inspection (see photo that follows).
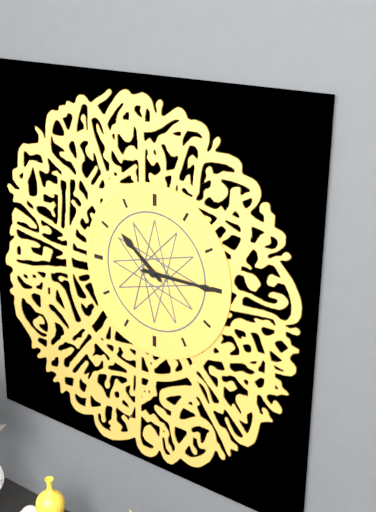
10:15
